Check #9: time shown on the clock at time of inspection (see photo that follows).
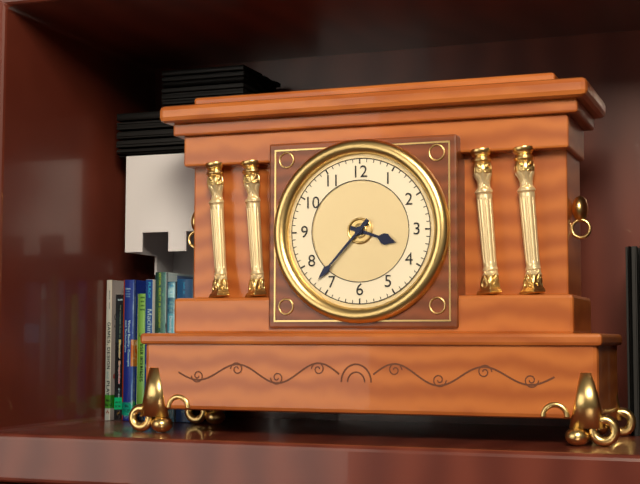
3:37
